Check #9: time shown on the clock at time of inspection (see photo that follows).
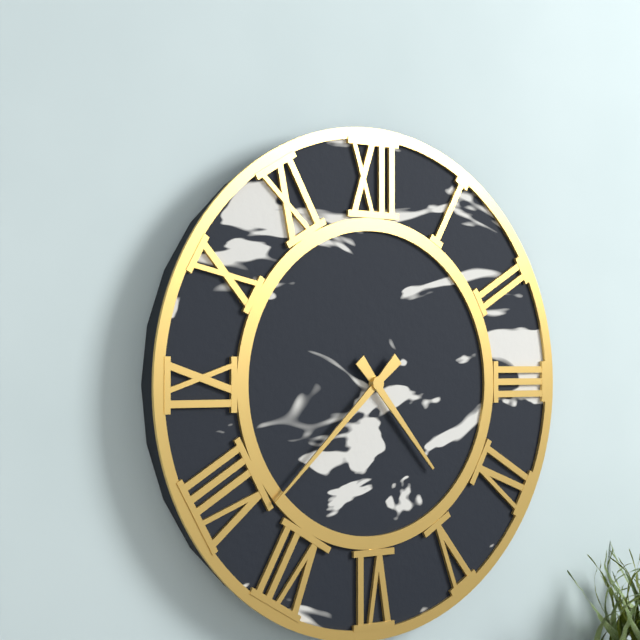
4:38
